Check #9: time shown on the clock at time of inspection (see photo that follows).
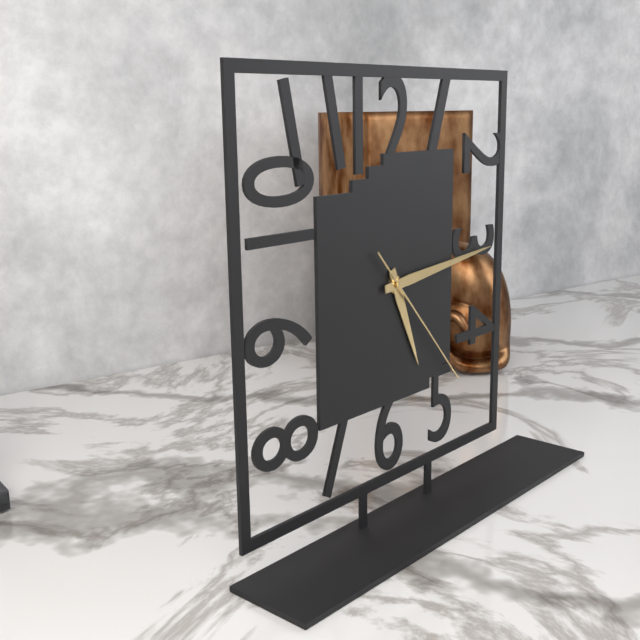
5:14:23
